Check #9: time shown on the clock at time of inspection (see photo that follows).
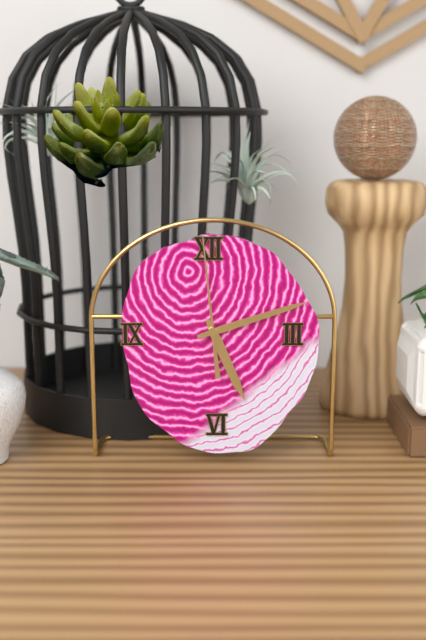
5:12:59
